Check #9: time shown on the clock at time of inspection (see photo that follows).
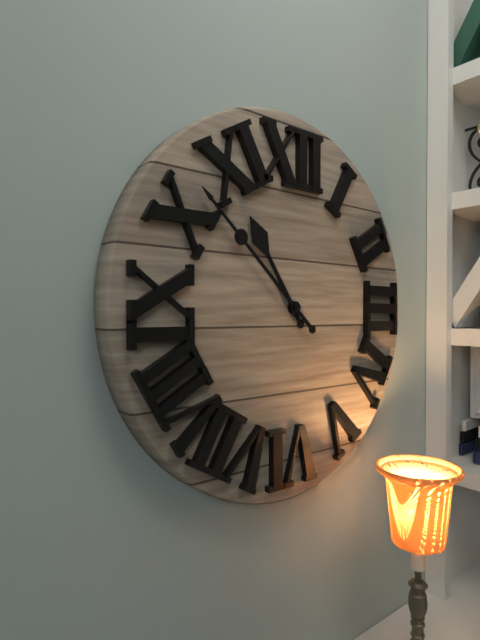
10:52
